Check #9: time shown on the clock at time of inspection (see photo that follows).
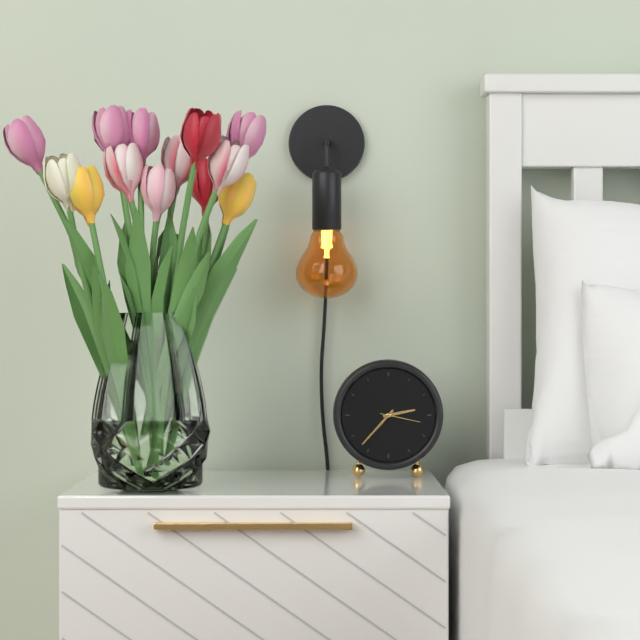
2:37
